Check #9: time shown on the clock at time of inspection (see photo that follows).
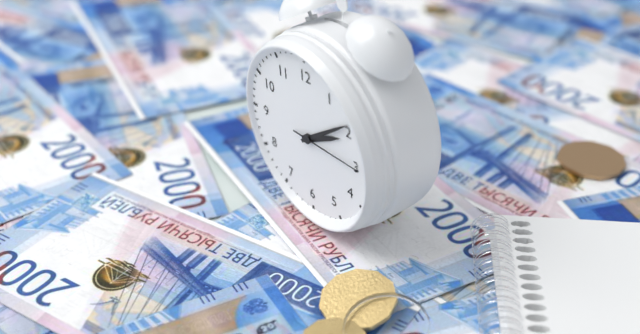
2:09:15
